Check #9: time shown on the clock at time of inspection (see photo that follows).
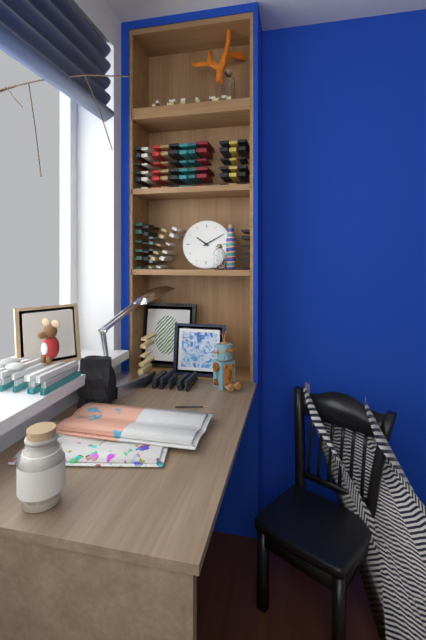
10:10
